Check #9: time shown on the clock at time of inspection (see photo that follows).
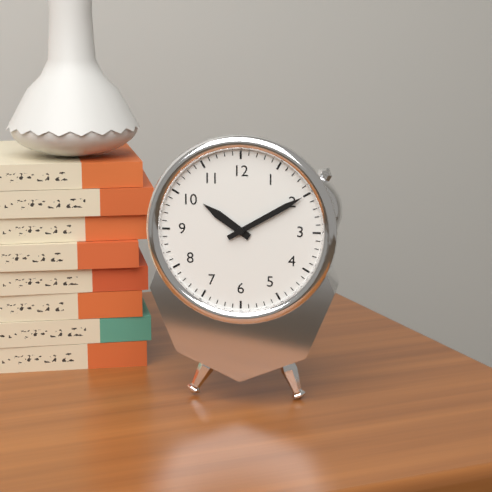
10:10
